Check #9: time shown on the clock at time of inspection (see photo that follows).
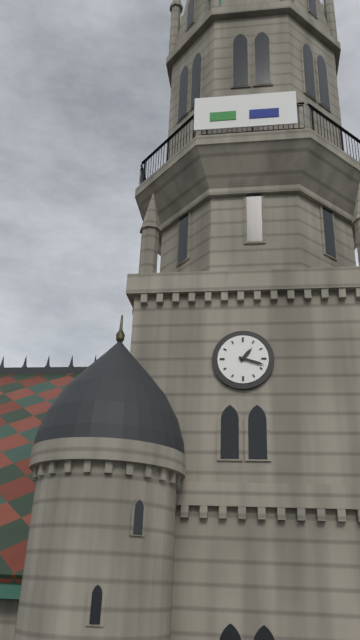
1:18
